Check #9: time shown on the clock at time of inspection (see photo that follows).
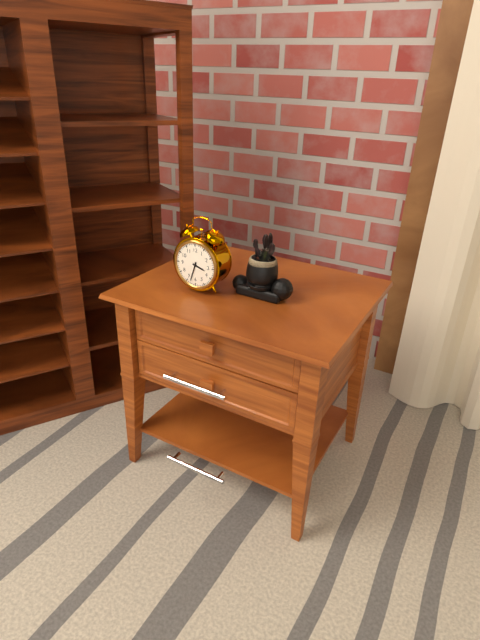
3:33
